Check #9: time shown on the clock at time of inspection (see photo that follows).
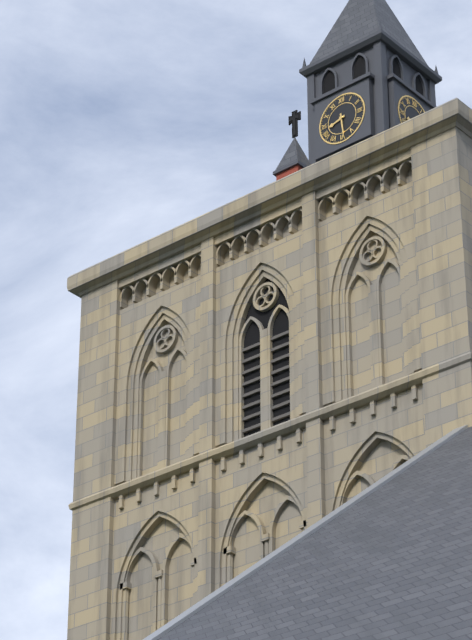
8:29
